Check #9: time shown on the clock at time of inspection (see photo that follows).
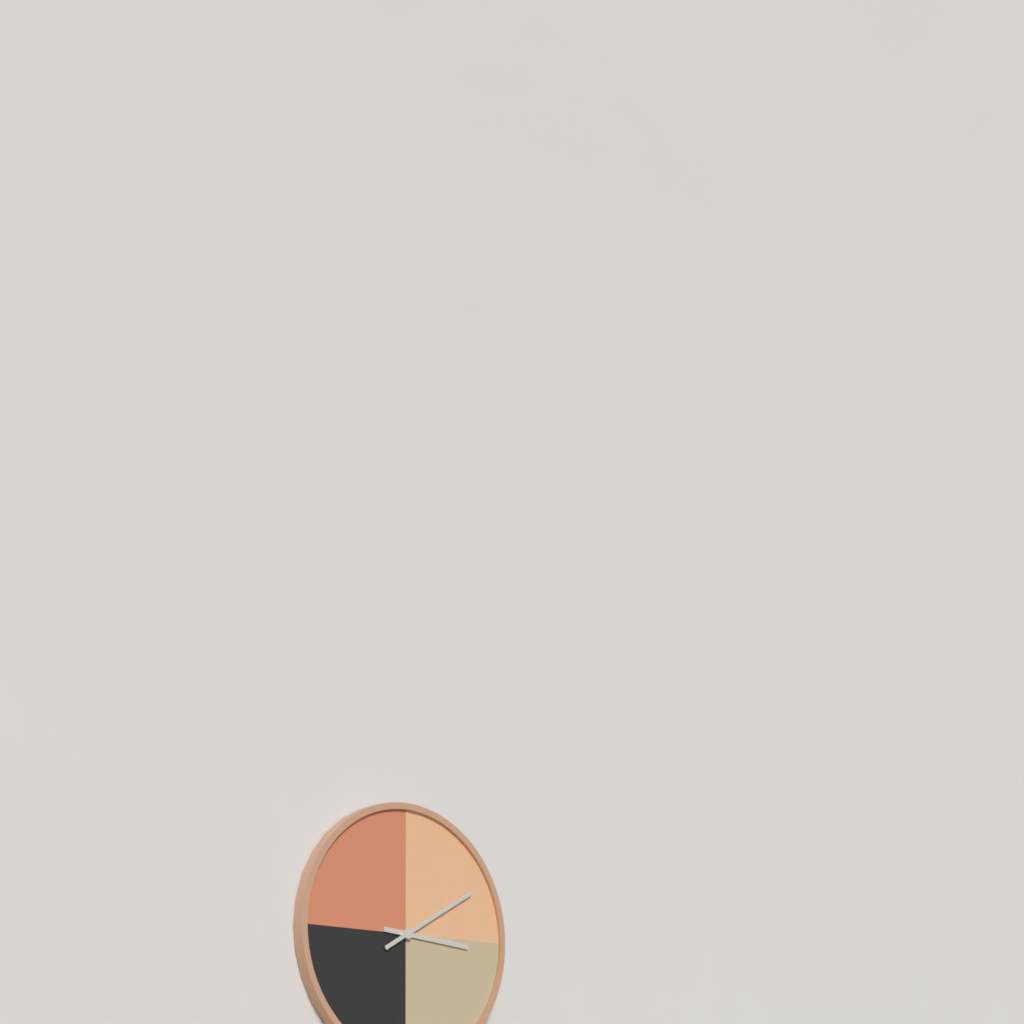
3:10
